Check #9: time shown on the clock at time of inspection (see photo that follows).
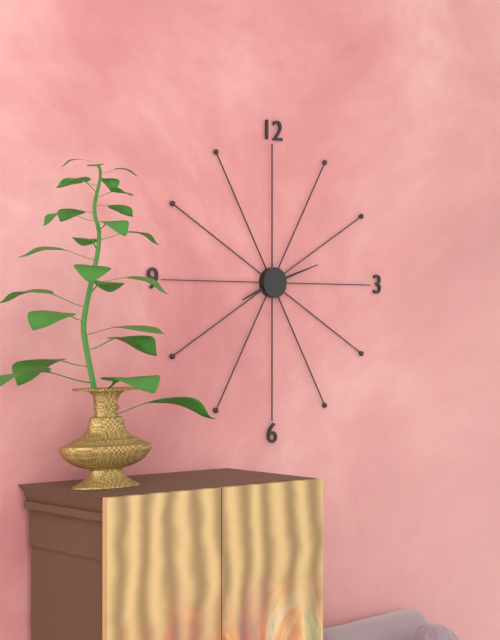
8:12
